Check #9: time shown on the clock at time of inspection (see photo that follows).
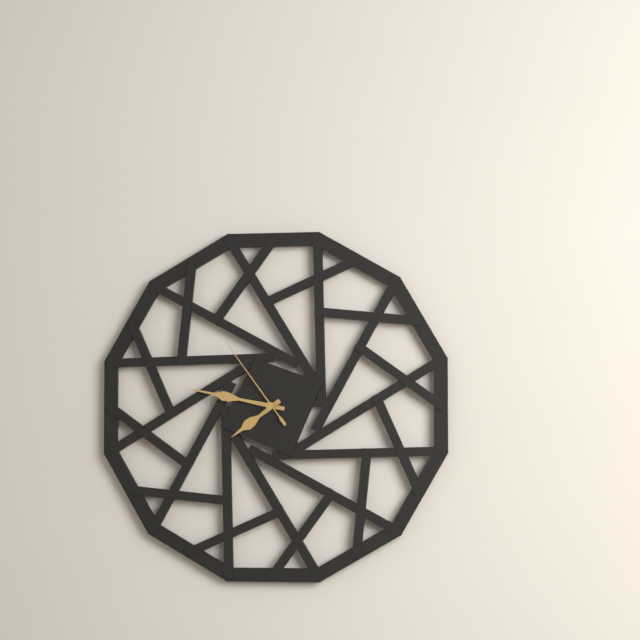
7:47:54
